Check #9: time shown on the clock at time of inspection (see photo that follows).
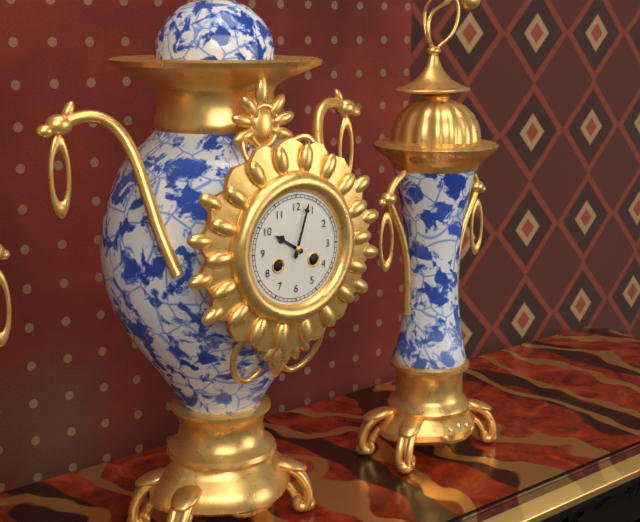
10:03
